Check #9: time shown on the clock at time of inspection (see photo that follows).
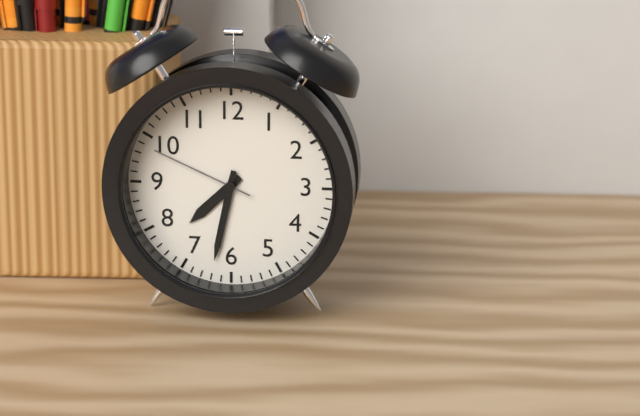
7:32:49
